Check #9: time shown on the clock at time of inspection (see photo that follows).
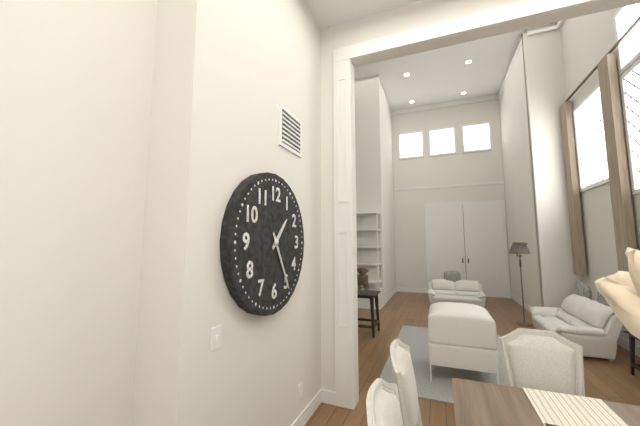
1:25
